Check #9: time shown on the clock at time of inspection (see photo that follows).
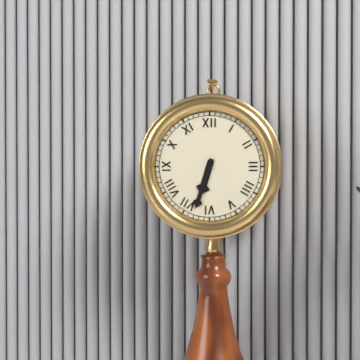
6:33
